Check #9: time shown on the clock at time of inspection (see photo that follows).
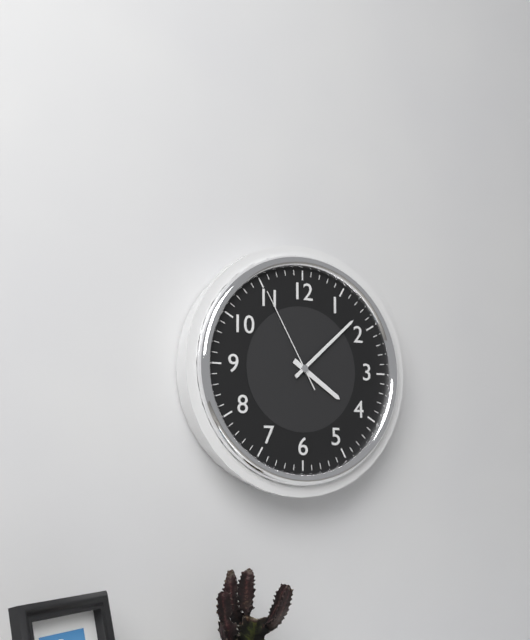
4:08:55
